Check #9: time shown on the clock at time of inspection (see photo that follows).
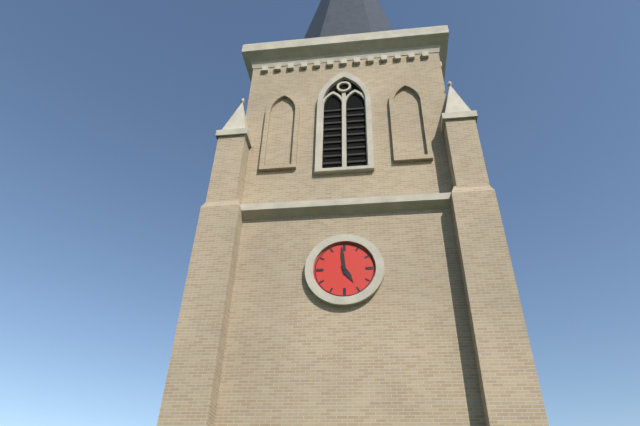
4:59
